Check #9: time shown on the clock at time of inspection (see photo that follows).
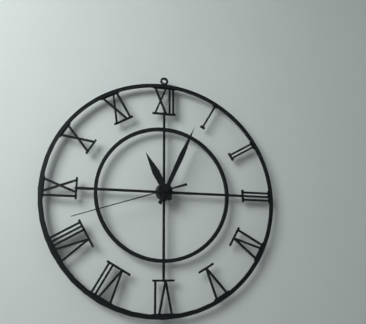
11:04:42
